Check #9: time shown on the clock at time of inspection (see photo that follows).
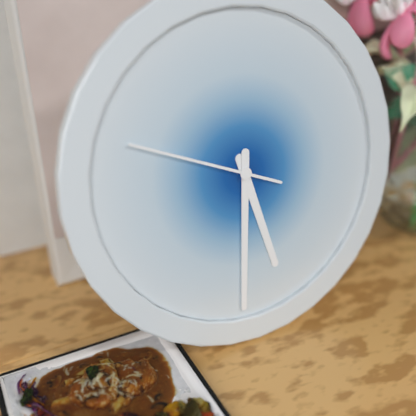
5:31:49
